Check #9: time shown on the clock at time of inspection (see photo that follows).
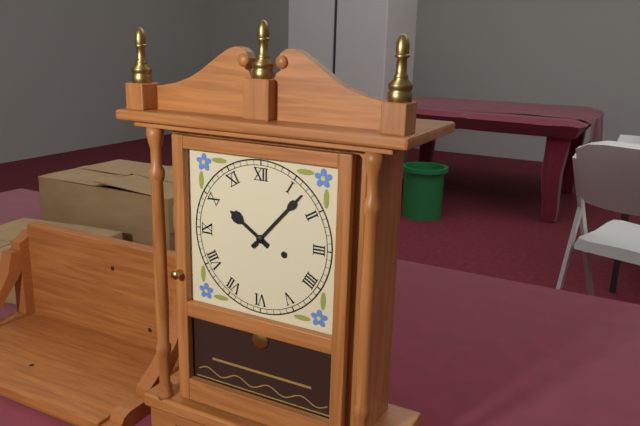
10:07
